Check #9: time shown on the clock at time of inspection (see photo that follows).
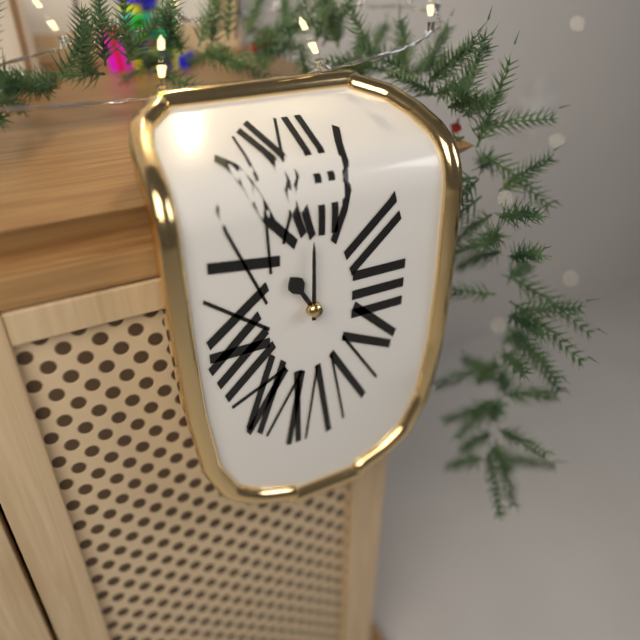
11:00
